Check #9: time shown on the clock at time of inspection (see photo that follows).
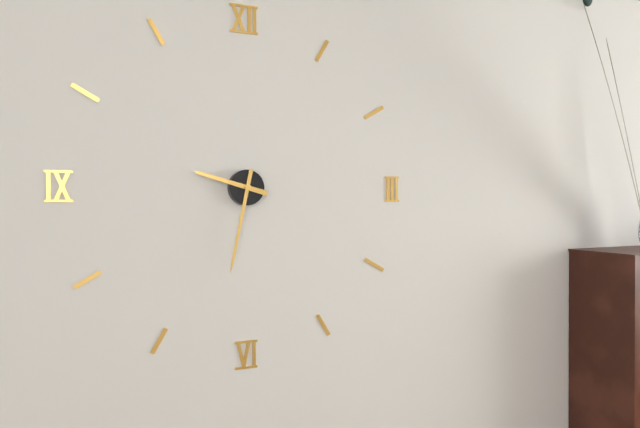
9:32
